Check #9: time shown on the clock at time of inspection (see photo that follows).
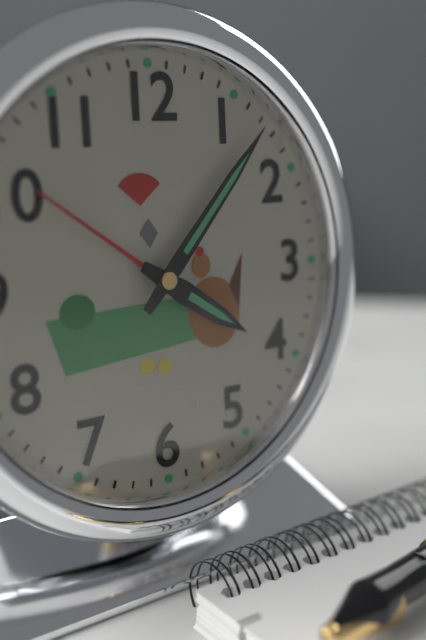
4:07
